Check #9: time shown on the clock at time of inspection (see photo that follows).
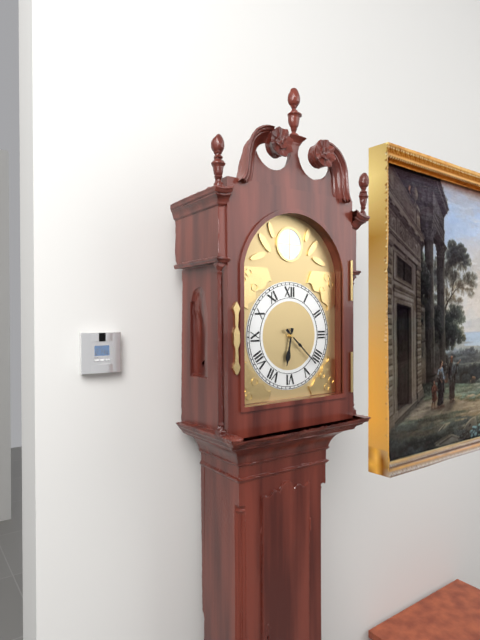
6:22
